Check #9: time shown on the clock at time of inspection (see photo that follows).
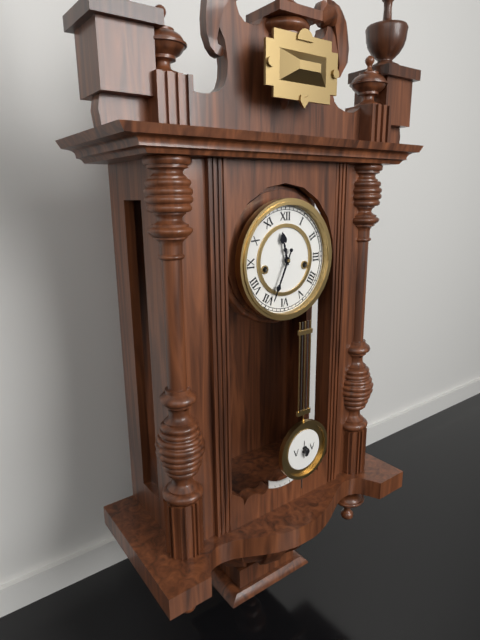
11:34
